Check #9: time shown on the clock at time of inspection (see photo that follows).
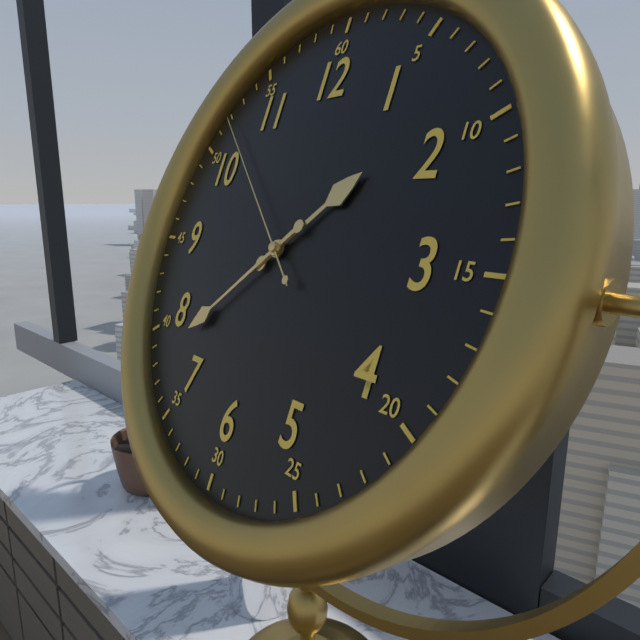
1:38:52
